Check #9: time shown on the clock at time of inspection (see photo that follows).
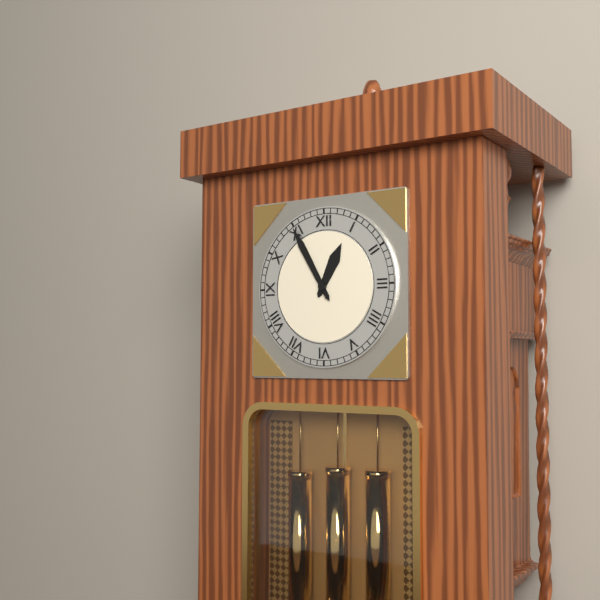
12:55
